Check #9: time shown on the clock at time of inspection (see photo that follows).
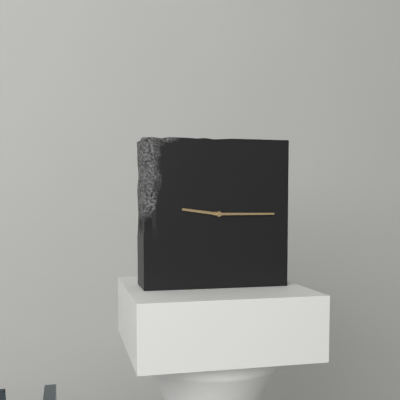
9:15
